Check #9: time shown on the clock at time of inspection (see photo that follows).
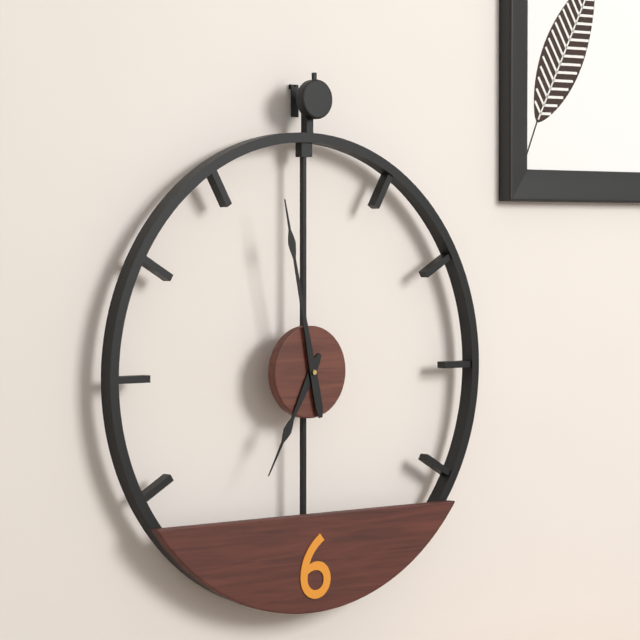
6:58
